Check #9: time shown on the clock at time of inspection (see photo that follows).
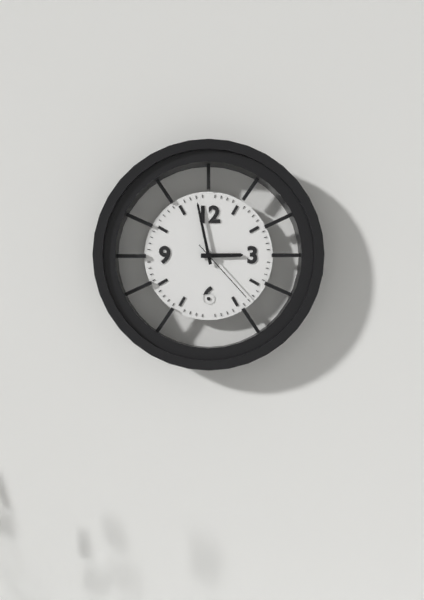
2:58:23
